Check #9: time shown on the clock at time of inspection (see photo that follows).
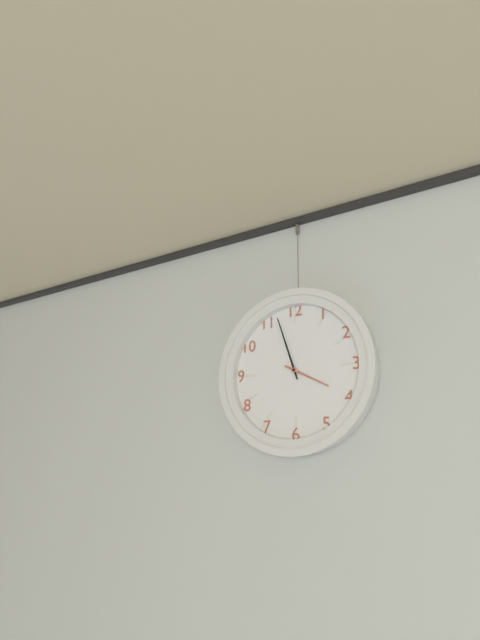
3:57
